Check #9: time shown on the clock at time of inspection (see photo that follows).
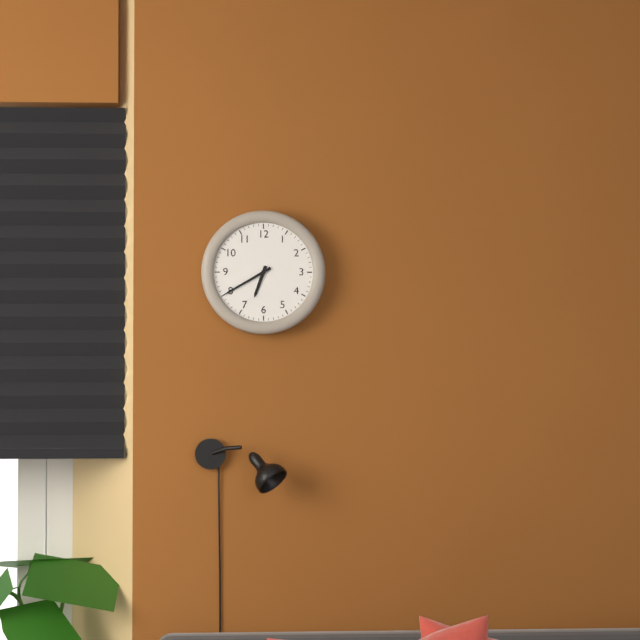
6:40
